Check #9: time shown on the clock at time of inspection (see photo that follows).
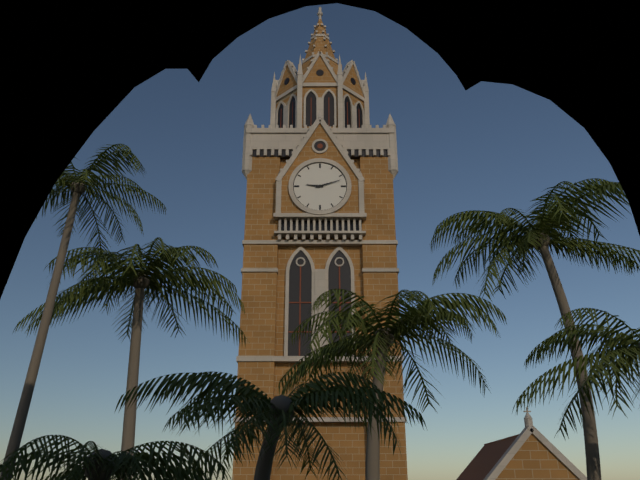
9:12
